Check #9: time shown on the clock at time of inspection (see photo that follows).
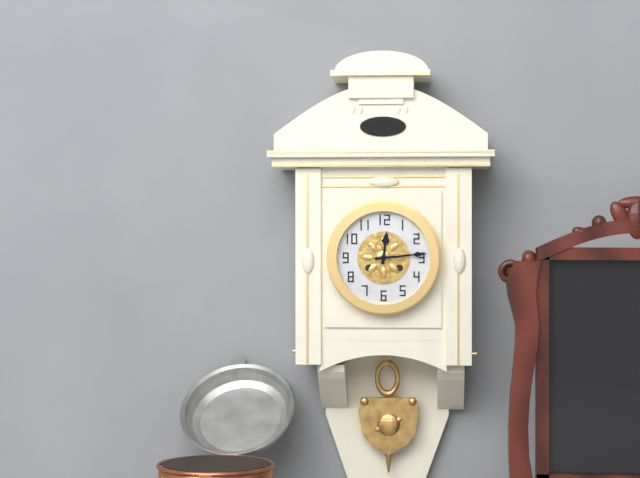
12:14
